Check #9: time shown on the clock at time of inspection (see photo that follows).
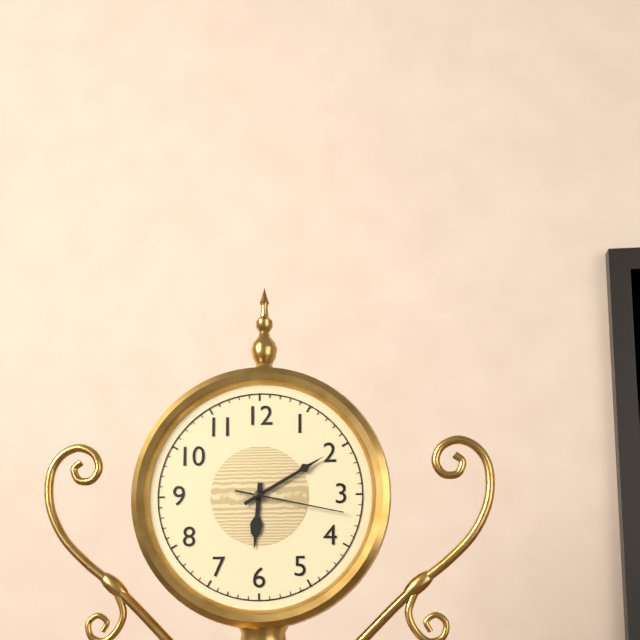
6:10:17
